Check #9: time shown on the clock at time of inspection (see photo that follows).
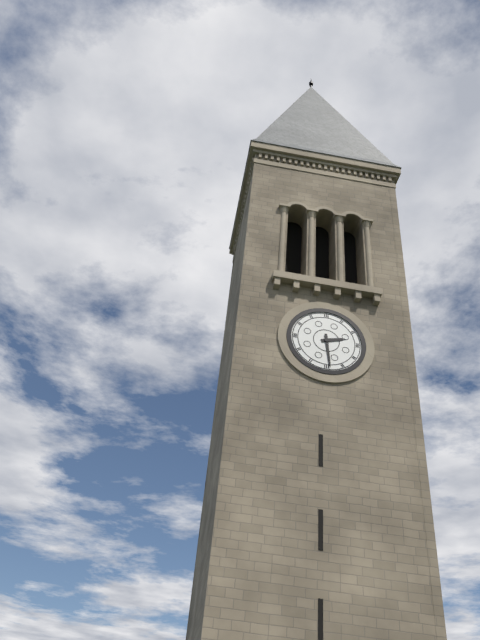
2:29
